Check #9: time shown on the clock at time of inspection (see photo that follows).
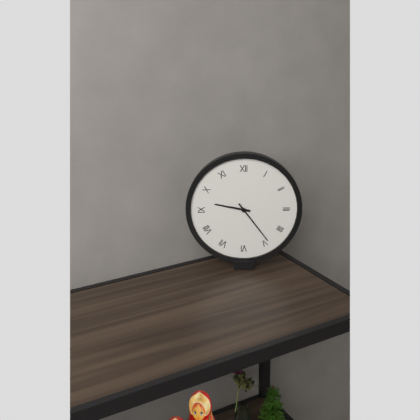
9:24
